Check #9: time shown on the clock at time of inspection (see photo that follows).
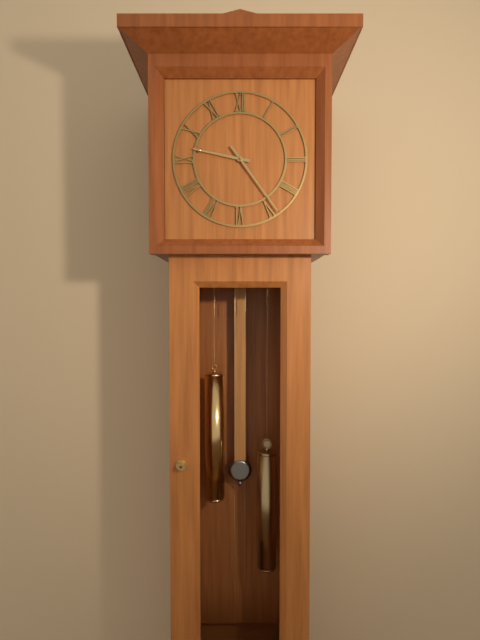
9:24
